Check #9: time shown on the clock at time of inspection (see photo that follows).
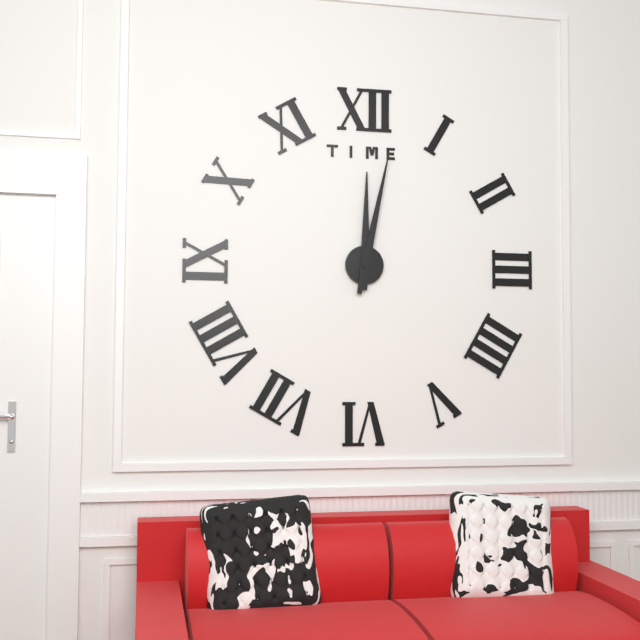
12:02
